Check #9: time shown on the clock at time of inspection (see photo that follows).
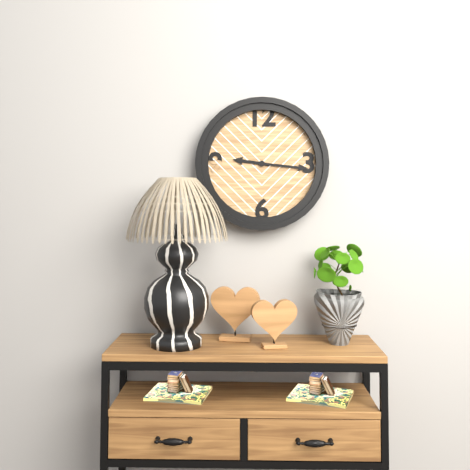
9:16
